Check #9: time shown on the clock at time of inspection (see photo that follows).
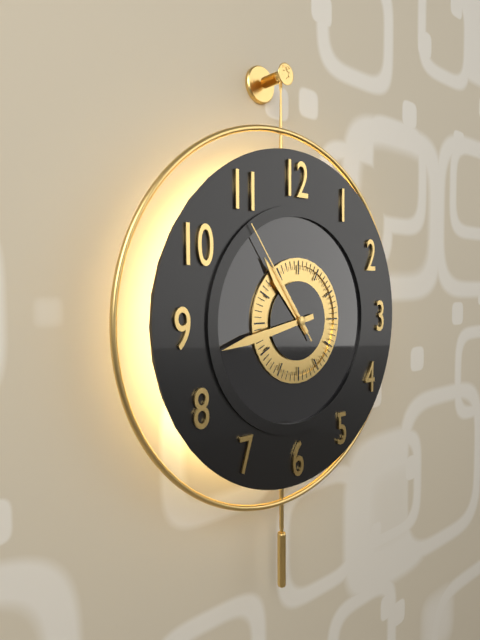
10:43:54
